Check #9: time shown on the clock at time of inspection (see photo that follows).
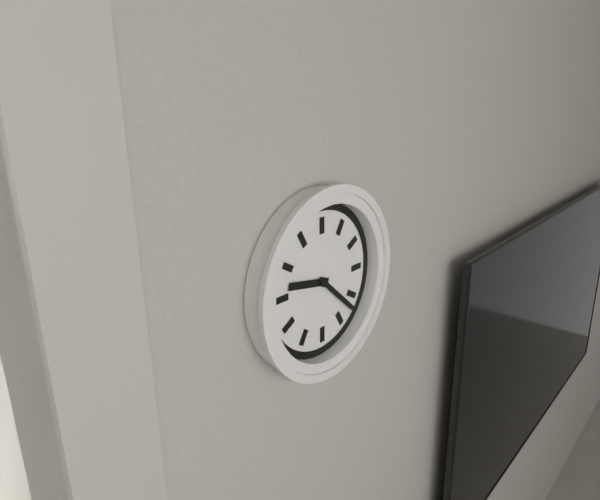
9:22
